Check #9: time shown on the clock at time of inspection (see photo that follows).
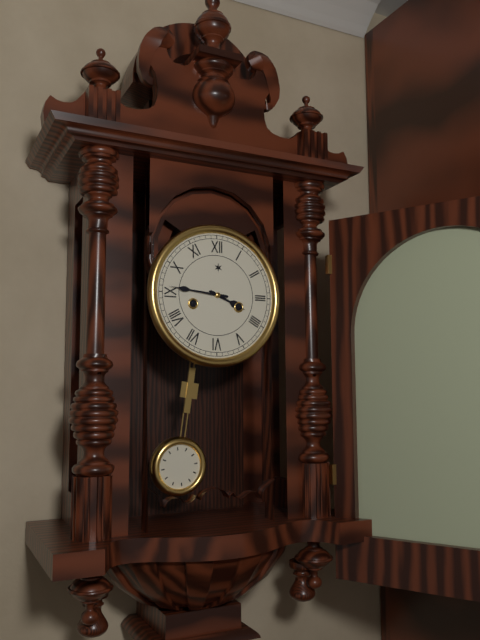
3:46
